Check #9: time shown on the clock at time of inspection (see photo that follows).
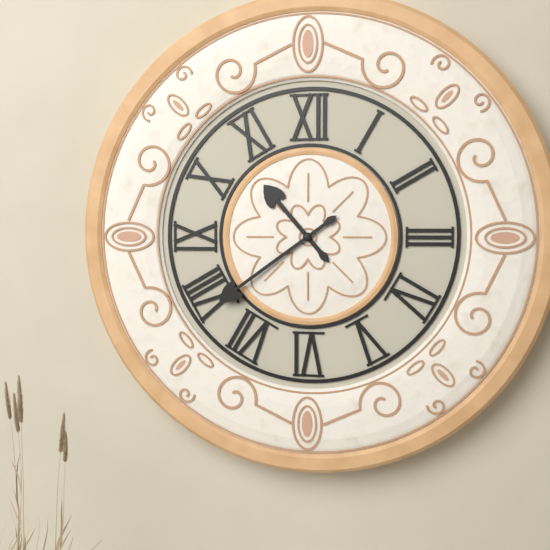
10:39
